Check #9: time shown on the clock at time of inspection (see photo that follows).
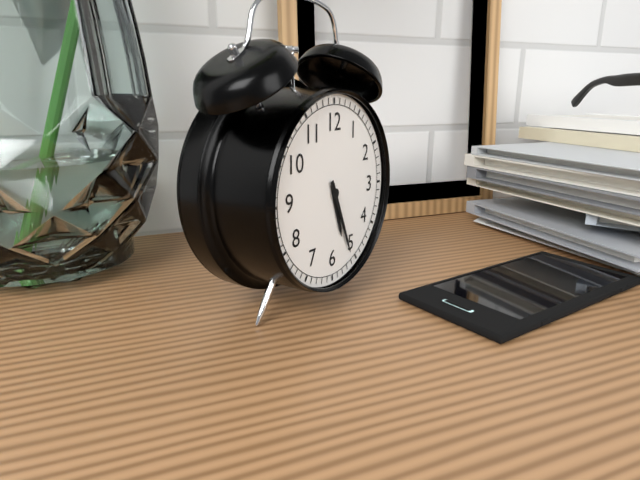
5:26
